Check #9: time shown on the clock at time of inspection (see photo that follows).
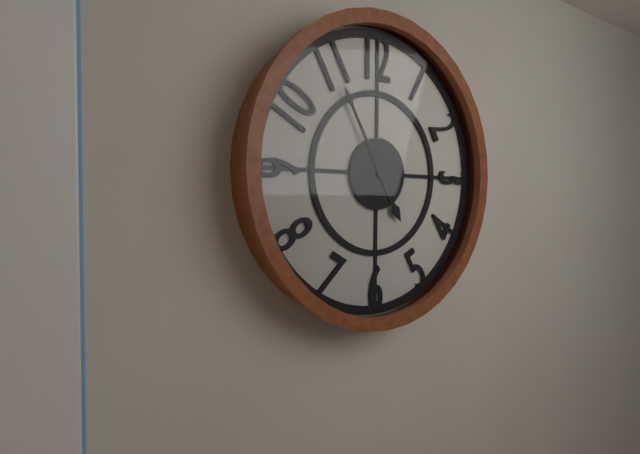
4:55
